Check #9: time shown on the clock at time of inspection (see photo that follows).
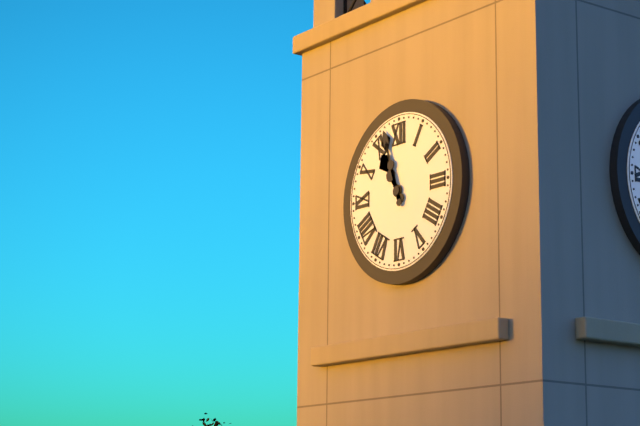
10:57
